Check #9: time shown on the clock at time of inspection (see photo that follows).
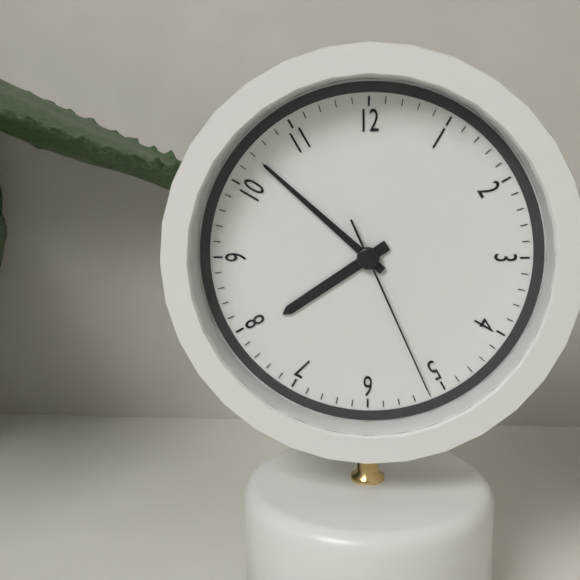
7:52:26
